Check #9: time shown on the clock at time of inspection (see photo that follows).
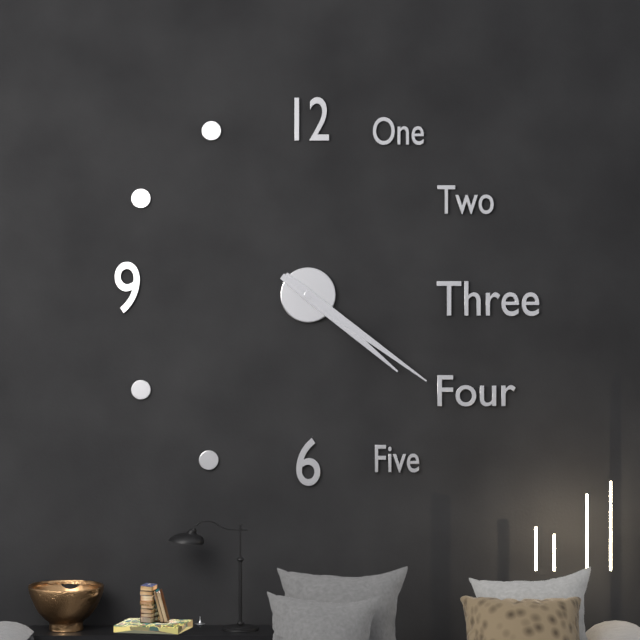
4:21
